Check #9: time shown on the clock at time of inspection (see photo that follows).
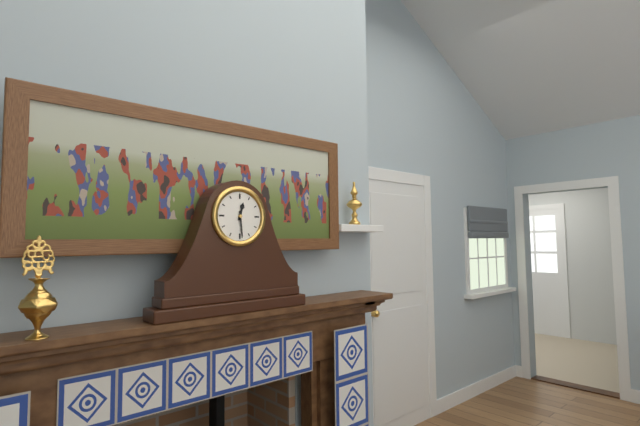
12:29
